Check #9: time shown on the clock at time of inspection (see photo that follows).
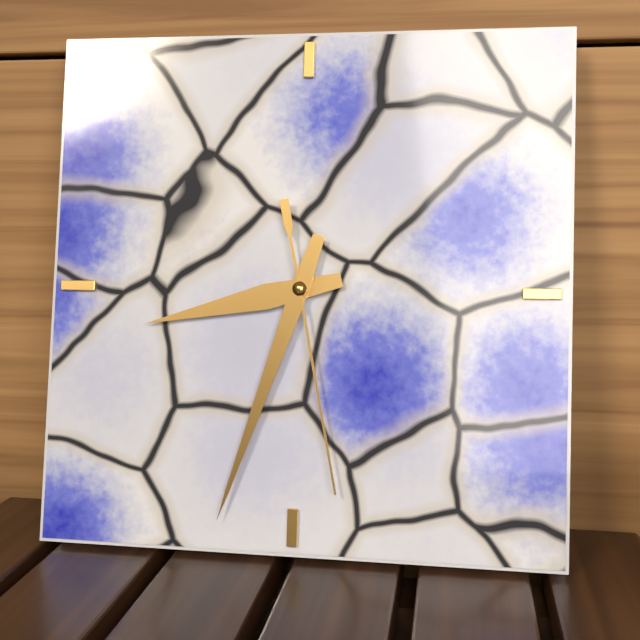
8:33:28
